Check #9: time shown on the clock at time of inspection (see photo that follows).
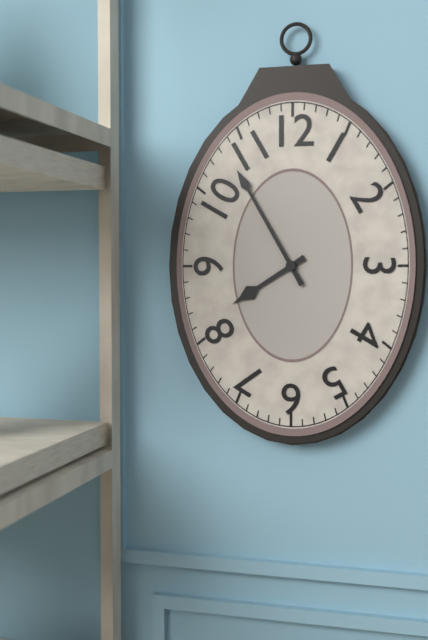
7:55
